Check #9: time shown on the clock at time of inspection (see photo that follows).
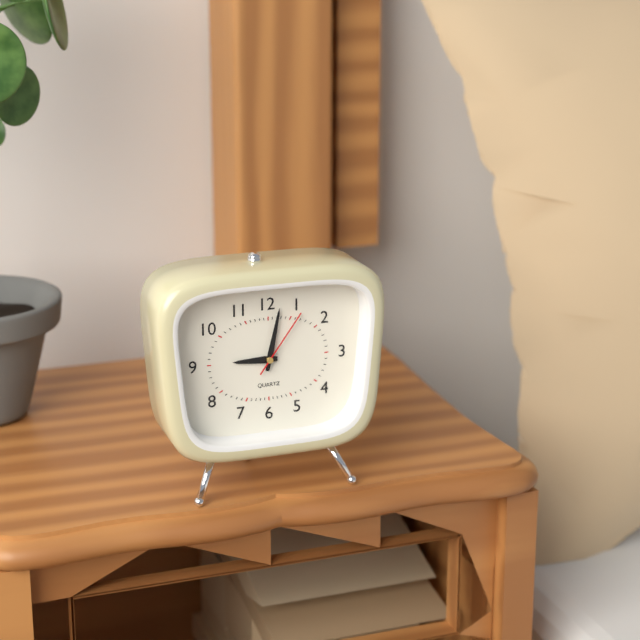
9:02:06
